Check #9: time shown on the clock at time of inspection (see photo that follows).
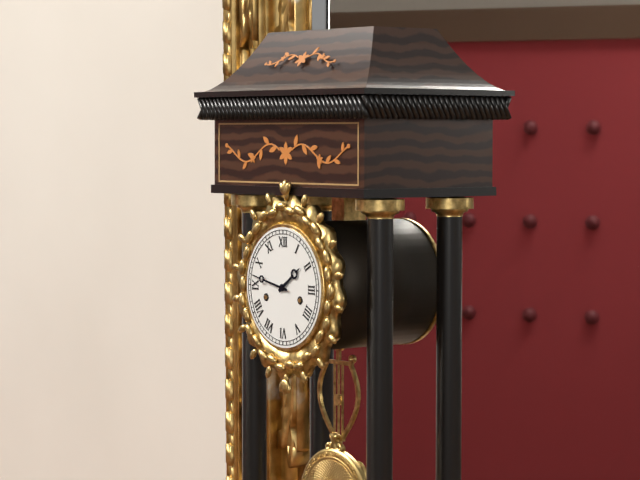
1:47
